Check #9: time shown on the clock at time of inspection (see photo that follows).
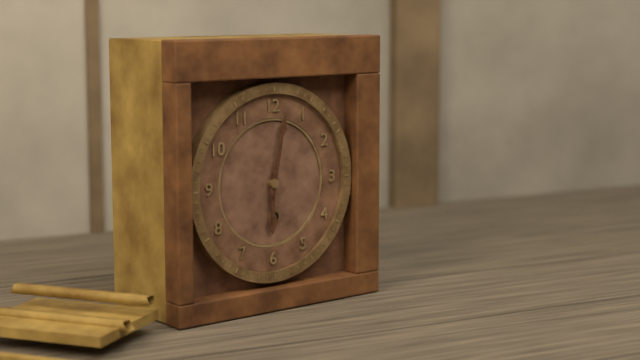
6:02
